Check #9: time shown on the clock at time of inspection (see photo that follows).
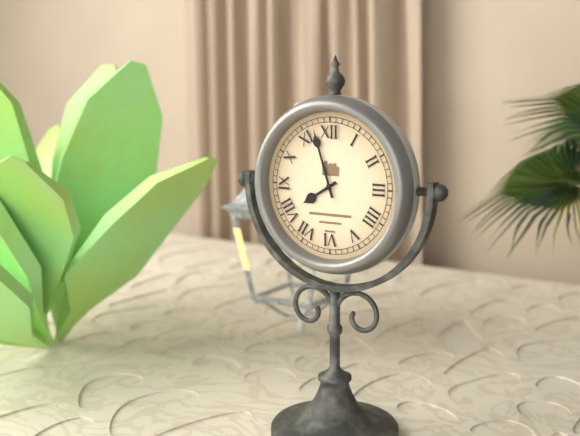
7:57
